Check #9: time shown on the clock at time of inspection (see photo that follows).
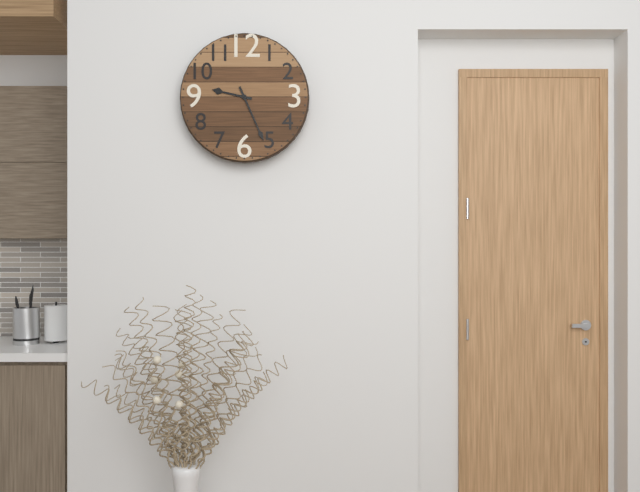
9:26
